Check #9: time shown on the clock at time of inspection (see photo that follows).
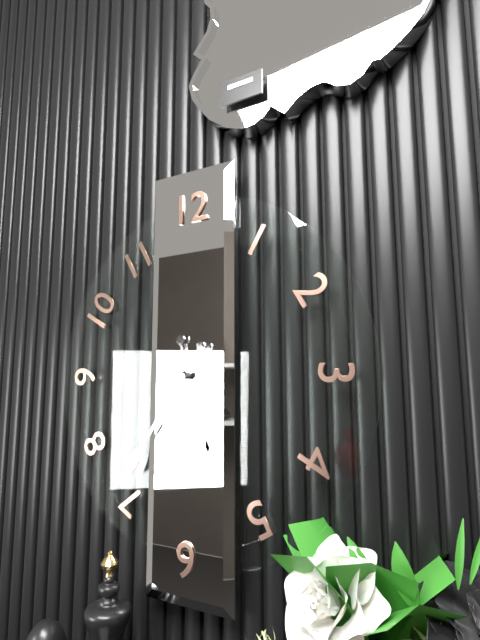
5:36
